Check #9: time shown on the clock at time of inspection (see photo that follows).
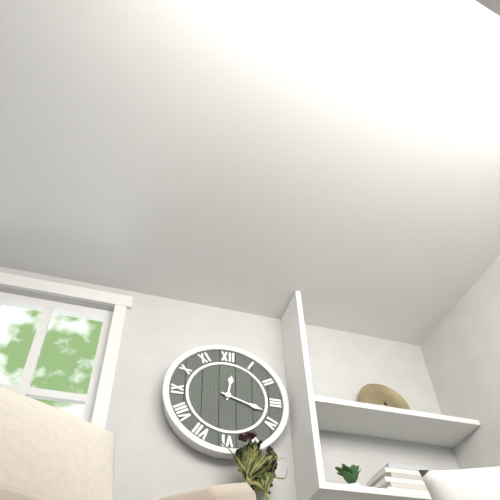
12:18
